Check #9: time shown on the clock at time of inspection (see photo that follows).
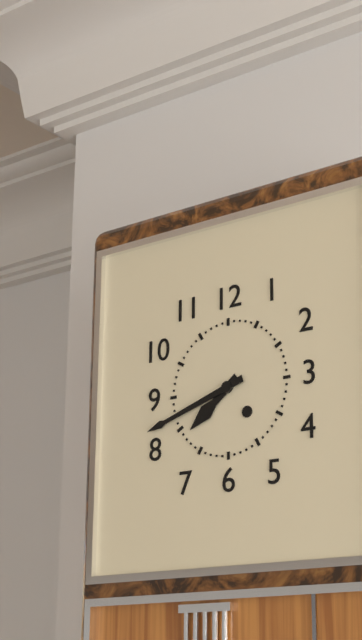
7:42
